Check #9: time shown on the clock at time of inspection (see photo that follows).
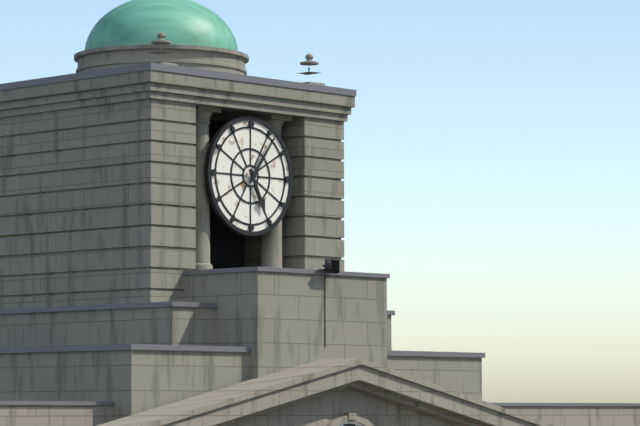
5:06
